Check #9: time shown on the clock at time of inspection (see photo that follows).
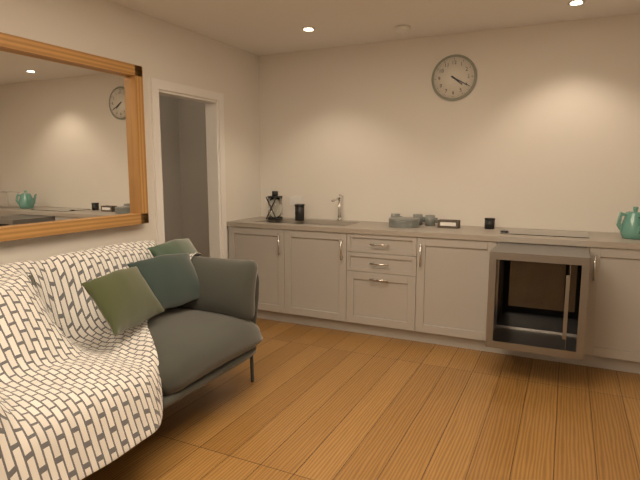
4:20
